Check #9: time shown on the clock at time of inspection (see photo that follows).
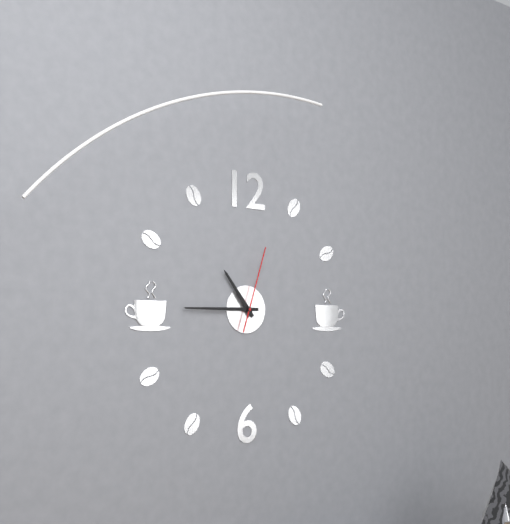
10:45:03
